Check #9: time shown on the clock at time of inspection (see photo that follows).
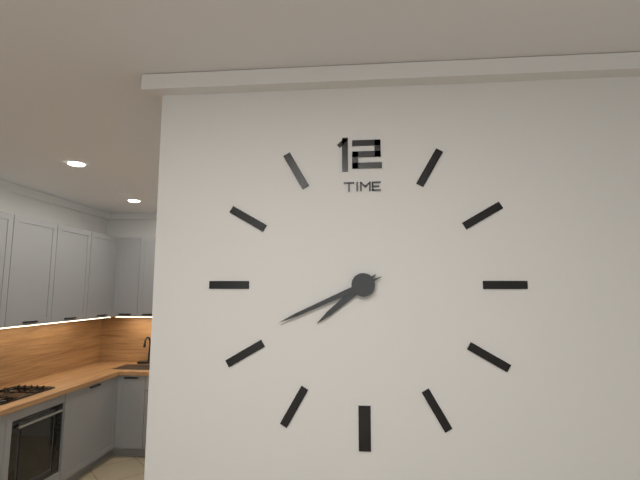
7:41
